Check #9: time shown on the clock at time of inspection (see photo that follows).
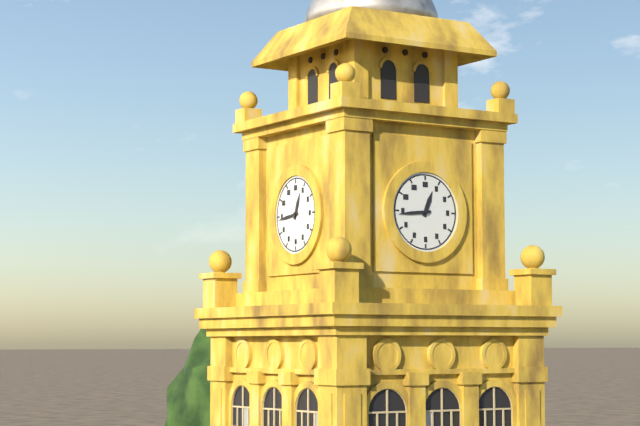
12:44
